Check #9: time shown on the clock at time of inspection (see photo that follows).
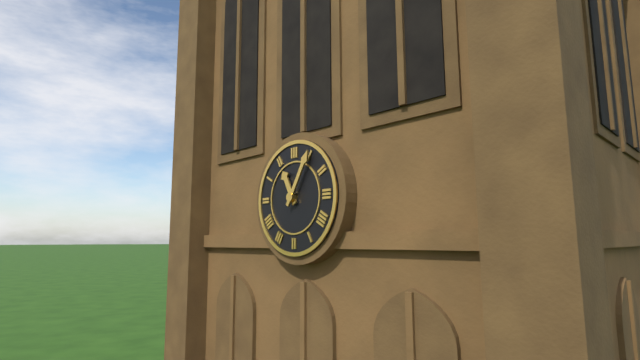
11:05
